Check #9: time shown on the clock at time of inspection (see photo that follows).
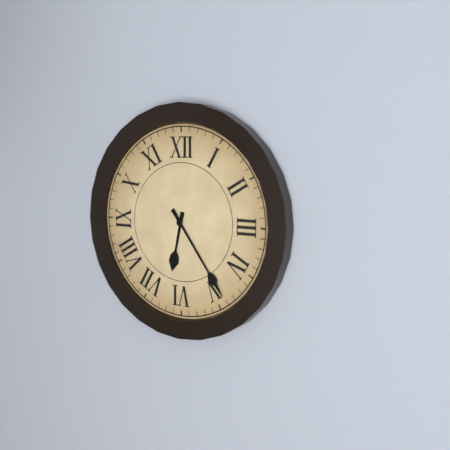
6:24
